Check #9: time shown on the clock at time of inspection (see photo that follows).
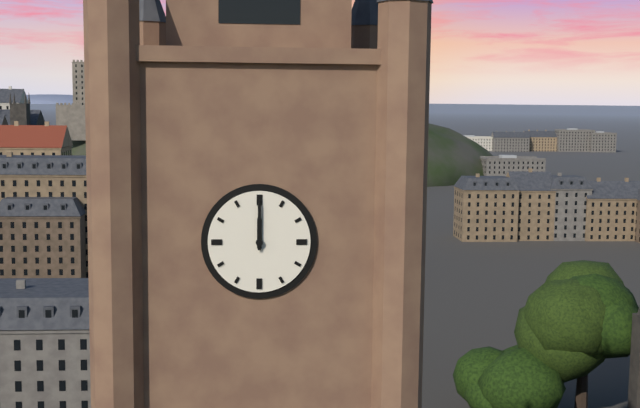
12:00
